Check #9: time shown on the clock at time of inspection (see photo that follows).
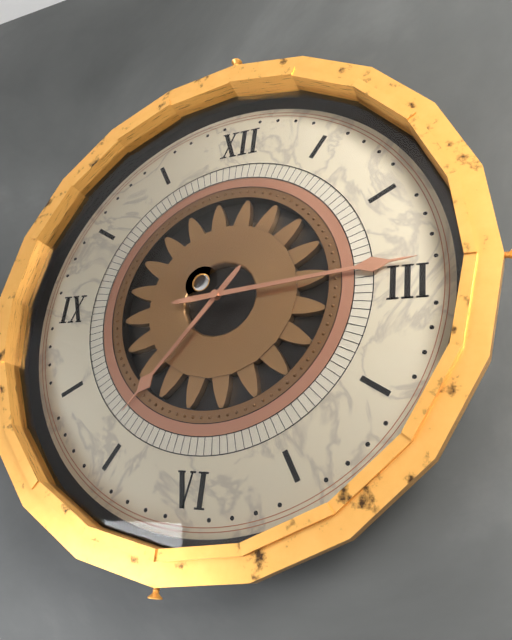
7:14
